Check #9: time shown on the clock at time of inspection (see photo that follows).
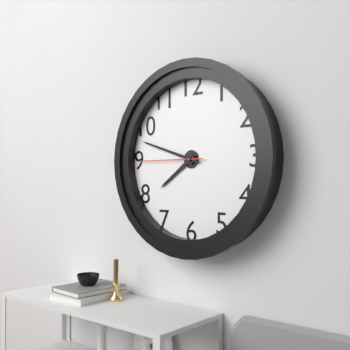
7:48:45
